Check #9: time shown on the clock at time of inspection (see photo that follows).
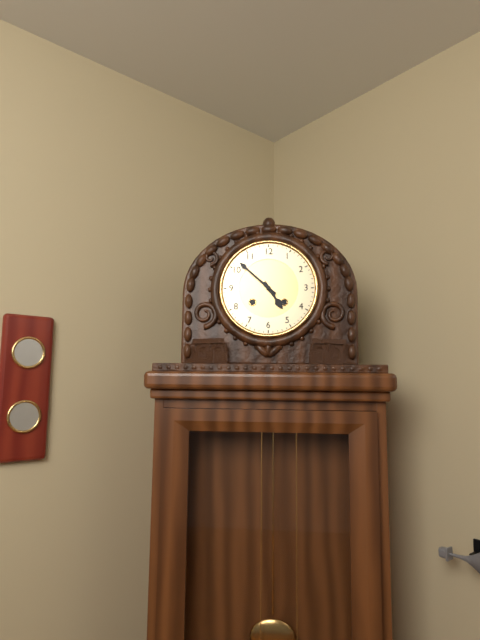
4:52
